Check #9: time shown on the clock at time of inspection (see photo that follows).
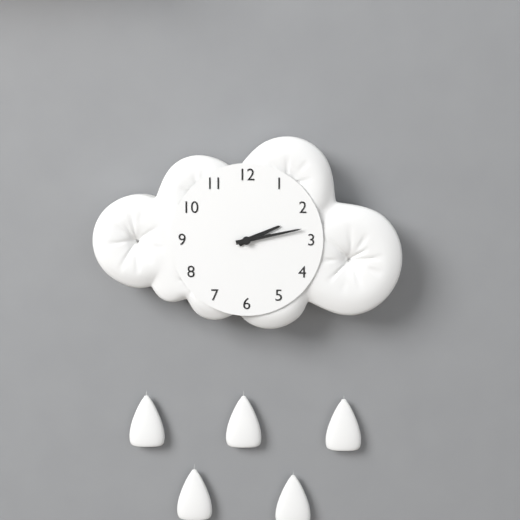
2:13
